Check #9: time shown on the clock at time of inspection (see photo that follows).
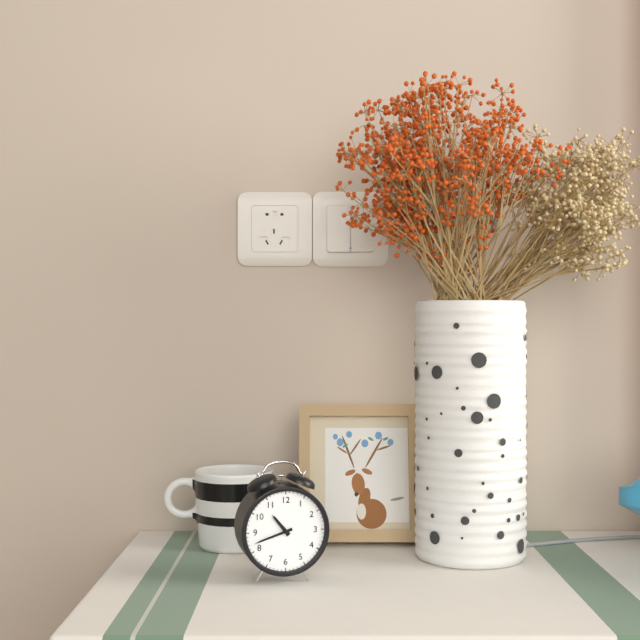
10:42
